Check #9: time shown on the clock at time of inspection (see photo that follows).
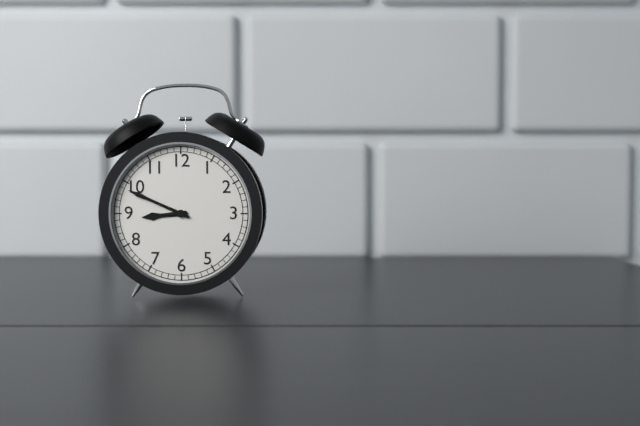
8:49
